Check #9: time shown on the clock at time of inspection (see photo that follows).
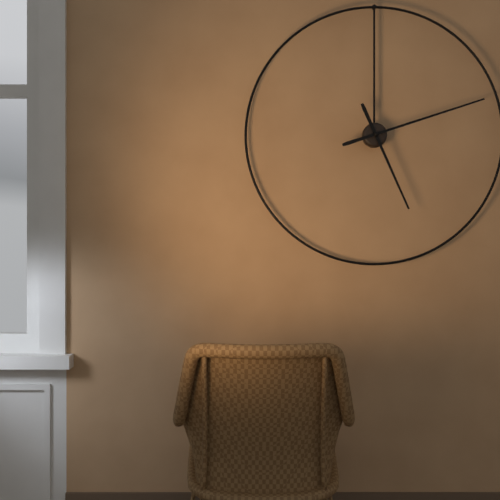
5:12
